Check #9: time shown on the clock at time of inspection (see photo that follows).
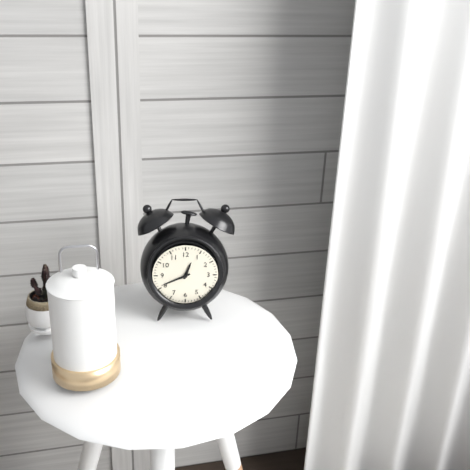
12:41
